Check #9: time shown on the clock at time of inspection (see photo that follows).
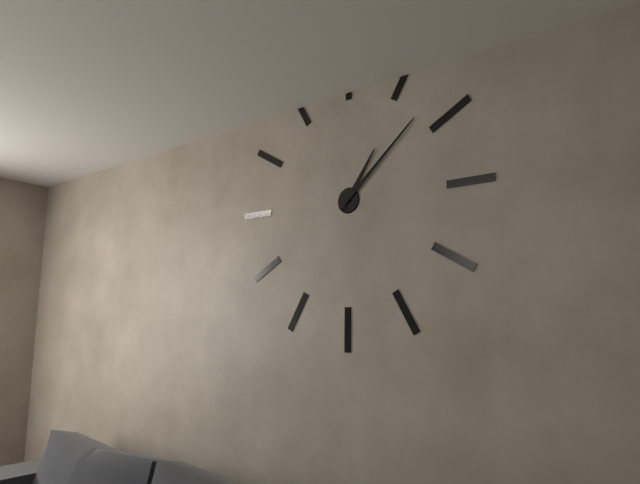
1:08
